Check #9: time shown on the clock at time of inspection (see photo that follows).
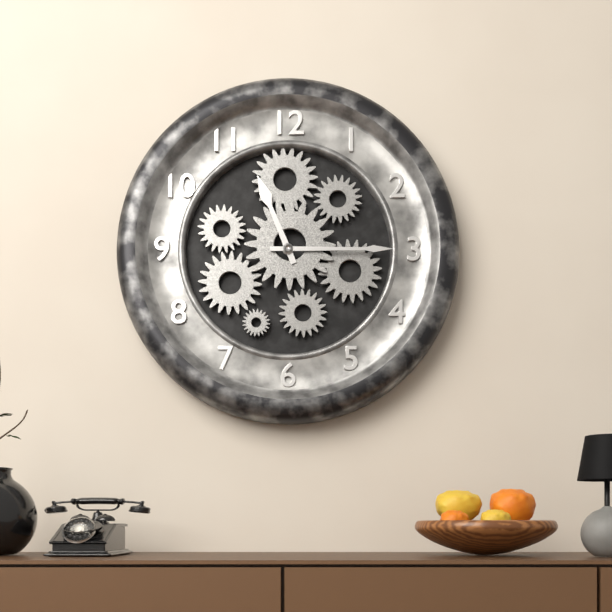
11:15
